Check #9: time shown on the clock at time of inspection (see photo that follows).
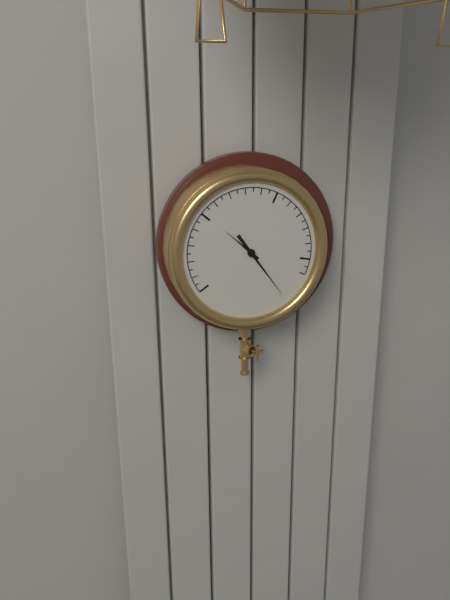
10:24
